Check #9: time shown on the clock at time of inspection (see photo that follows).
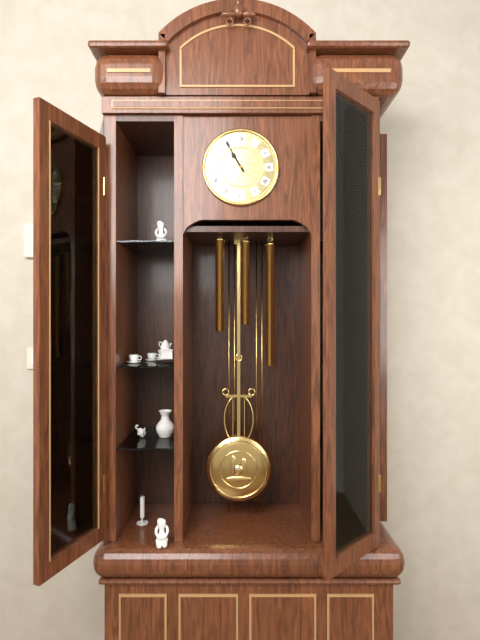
10:55
